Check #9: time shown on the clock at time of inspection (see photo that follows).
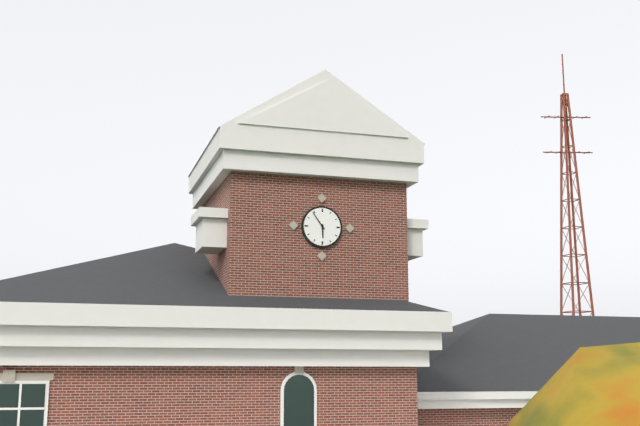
5:54
